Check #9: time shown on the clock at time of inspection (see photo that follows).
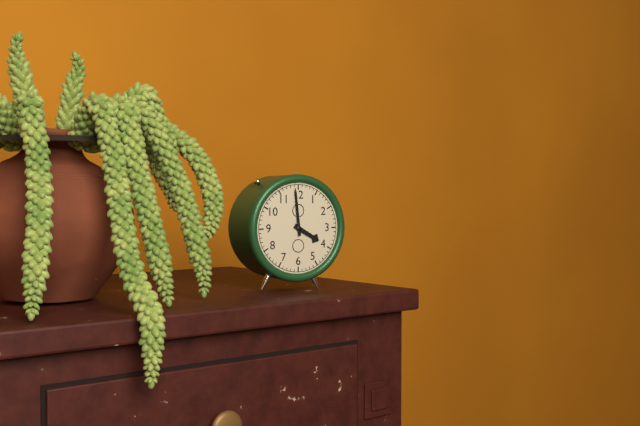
3:59
